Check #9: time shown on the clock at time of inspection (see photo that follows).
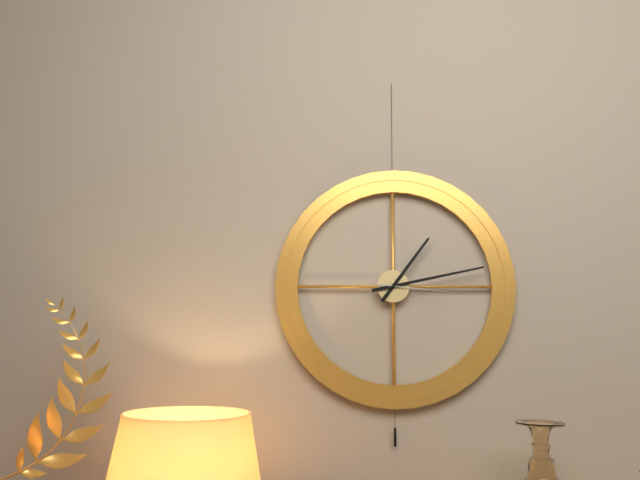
1:13:16
